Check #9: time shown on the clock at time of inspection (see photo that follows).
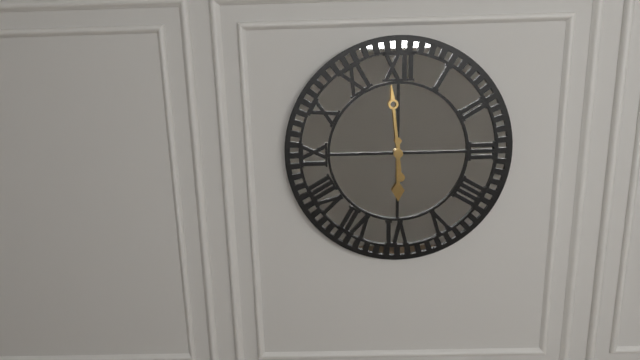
5:59
